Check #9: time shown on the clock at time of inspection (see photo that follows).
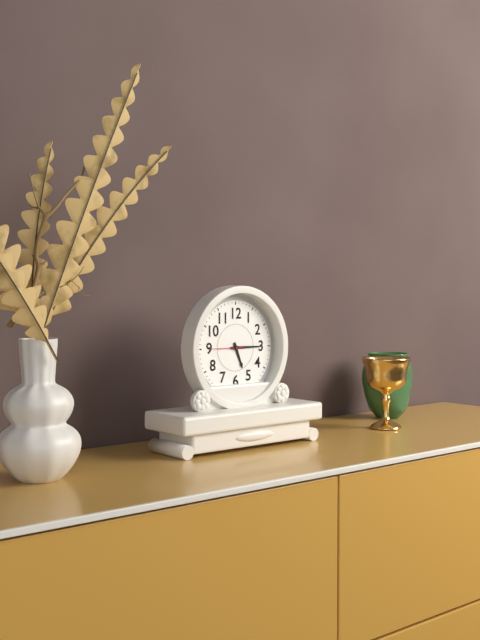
5:15
